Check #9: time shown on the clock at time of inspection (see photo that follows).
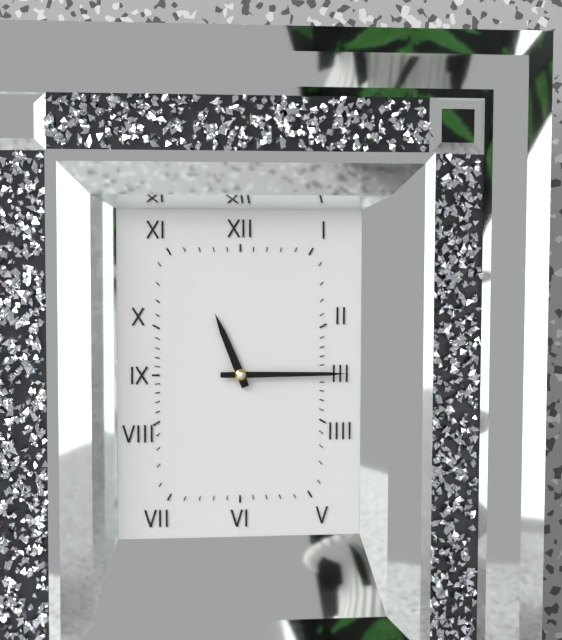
11:15
